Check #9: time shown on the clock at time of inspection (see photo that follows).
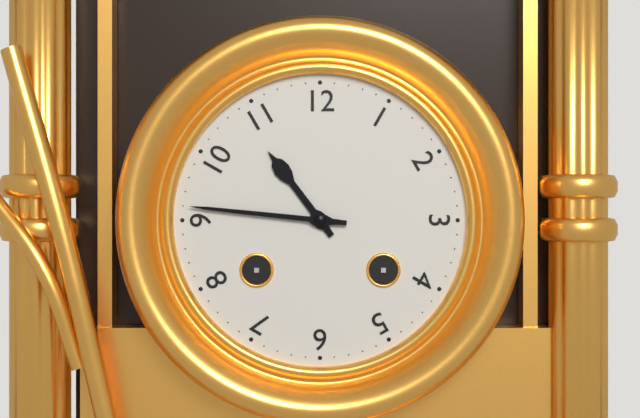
10:46
